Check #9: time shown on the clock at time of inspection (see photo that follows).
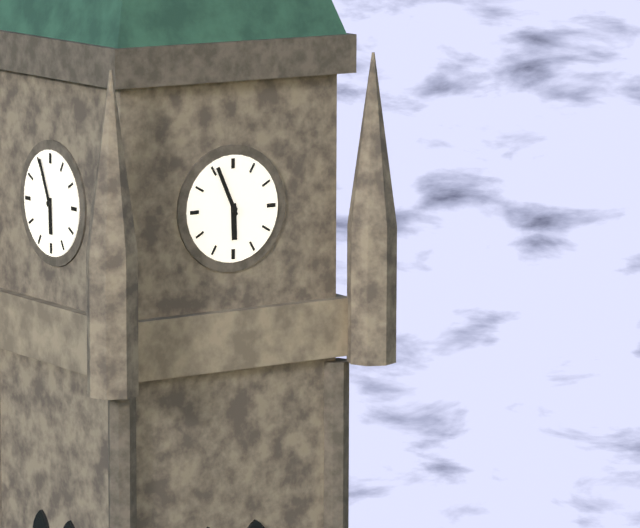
5:56
